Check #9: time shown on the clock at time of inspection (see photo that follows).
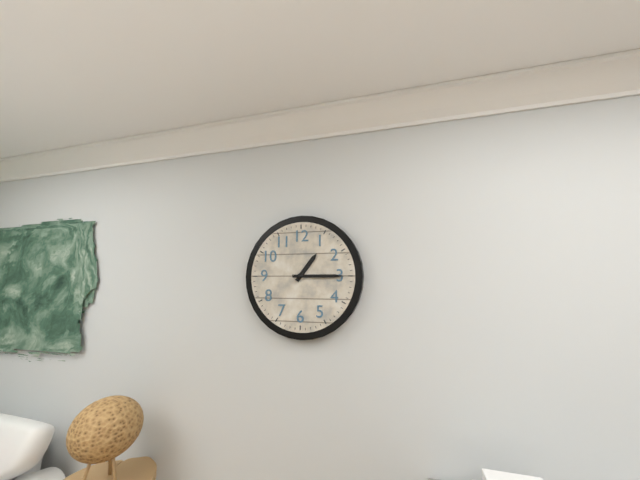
1:15
